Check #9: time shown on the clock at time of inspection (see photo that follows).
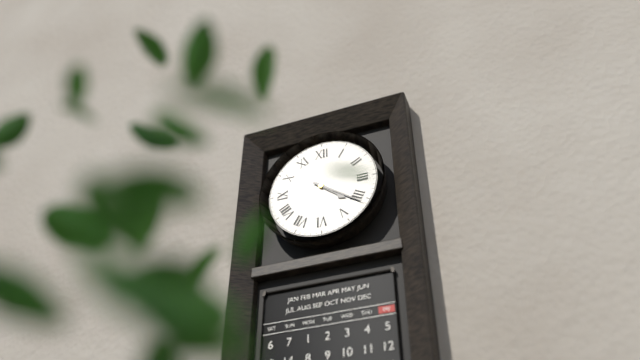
4:21
